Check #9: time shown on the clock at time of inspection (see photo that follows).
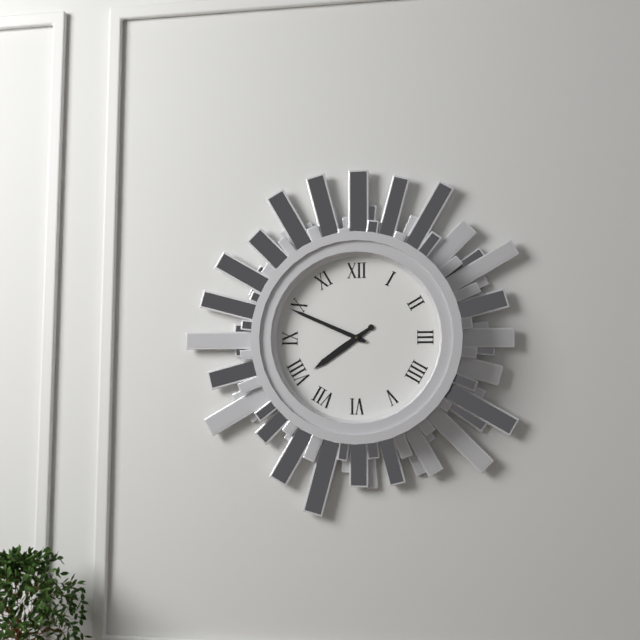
7:49
